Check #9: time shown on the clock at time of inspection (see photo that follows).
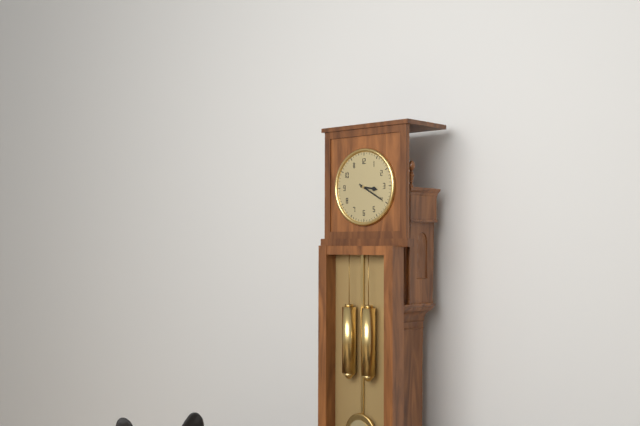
3:20
